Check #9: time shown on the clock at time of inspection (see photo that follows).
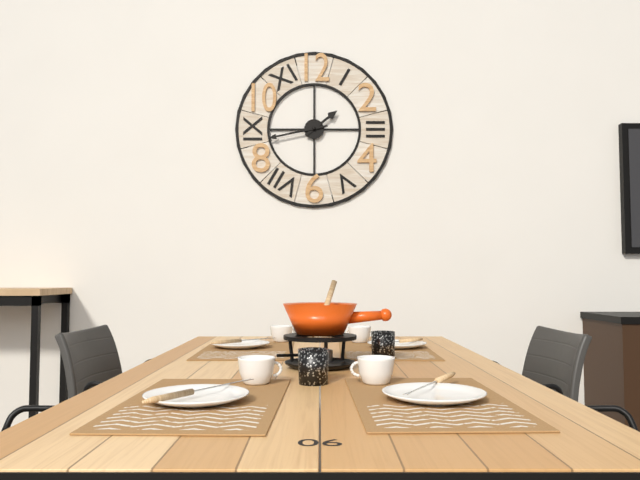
1:43
